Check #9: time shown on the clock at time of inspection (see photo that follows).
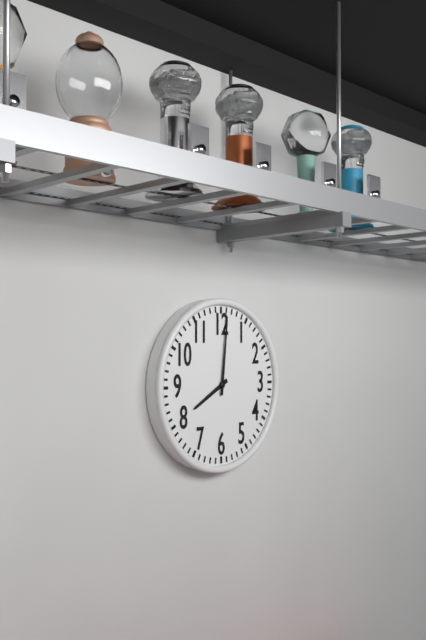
8:01
